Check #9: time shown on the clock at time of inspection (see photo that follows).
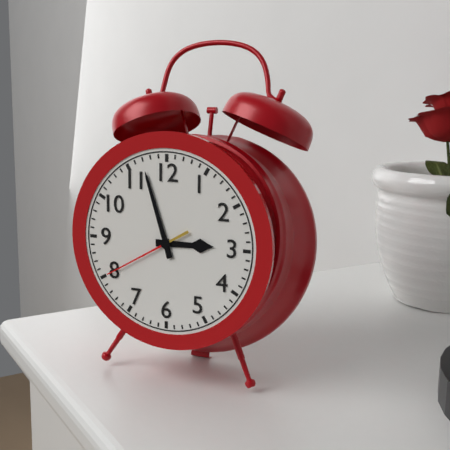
2:57:40
